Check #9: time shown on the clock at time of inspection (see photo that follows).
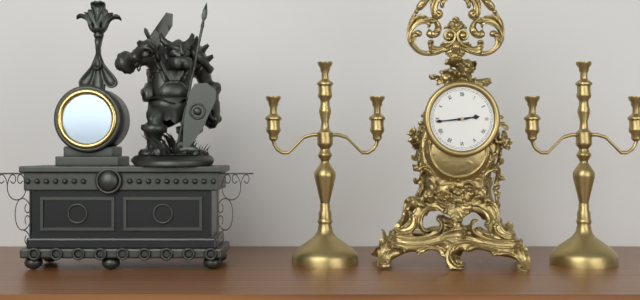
2:44
